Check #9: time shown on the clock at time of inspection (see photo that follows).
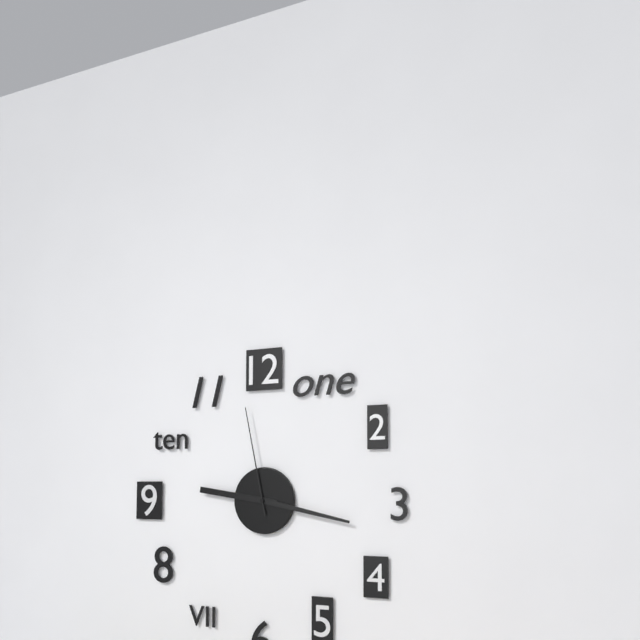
9:17:58
